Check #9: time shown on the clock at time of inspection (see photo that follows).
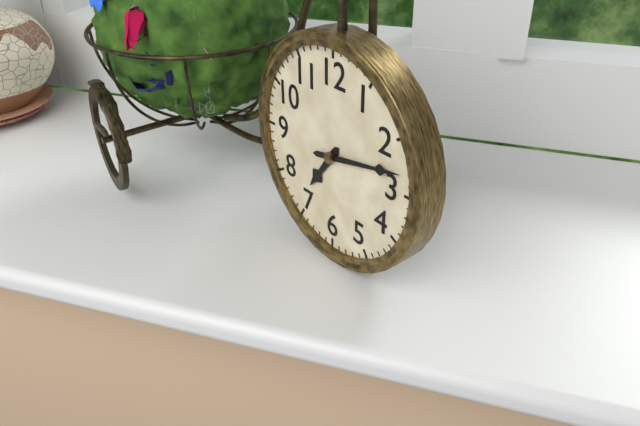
7:13
